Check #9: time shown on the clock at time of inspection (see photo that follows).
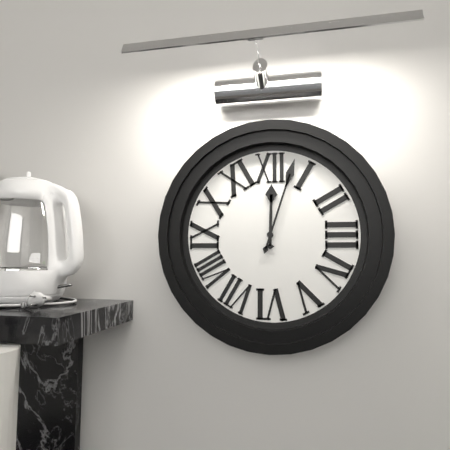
12:03
